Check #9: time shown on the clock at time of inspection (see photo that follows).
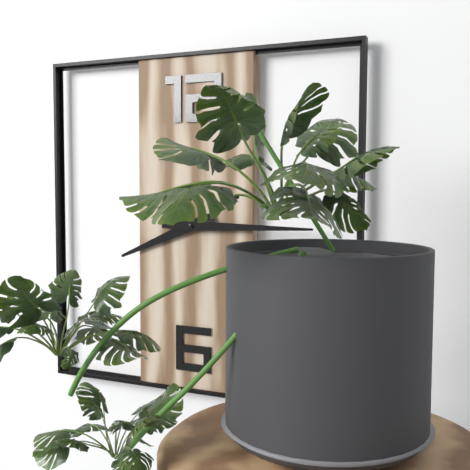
8:15
